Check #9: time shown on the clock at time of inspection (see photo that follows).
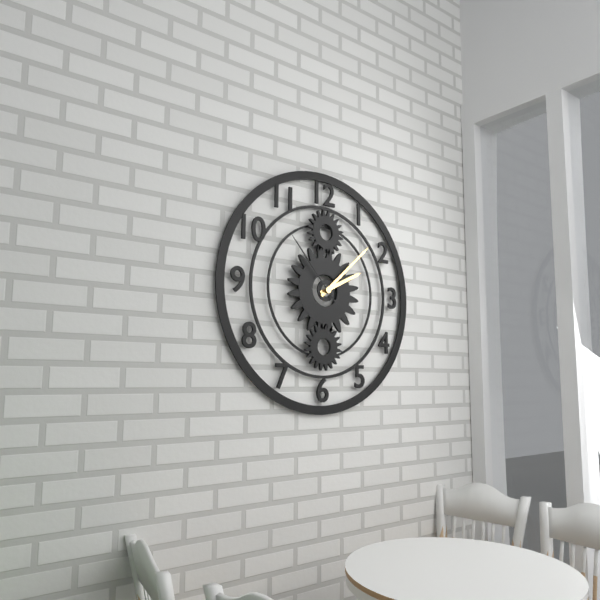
2:08:53
